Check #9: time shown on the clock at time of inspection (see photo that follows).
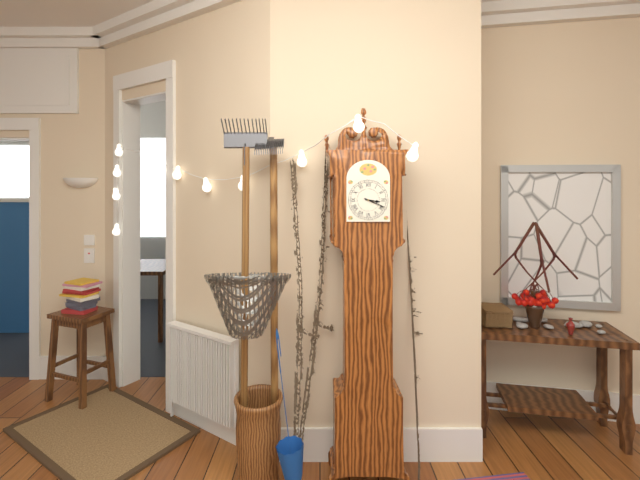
3:19
